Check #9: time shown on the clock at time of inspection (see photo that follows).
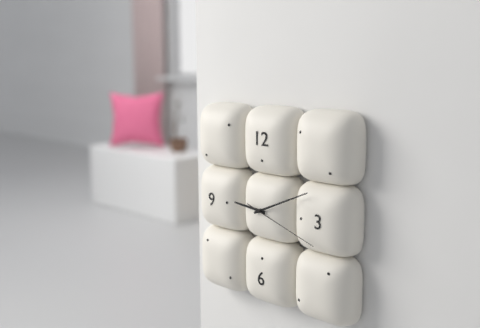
9:11:18
